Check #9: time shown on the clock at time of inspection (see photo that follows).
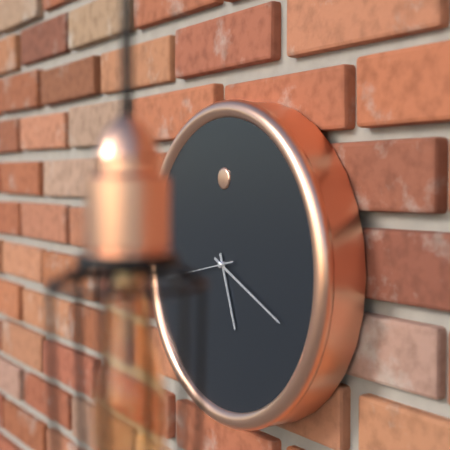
5:19
